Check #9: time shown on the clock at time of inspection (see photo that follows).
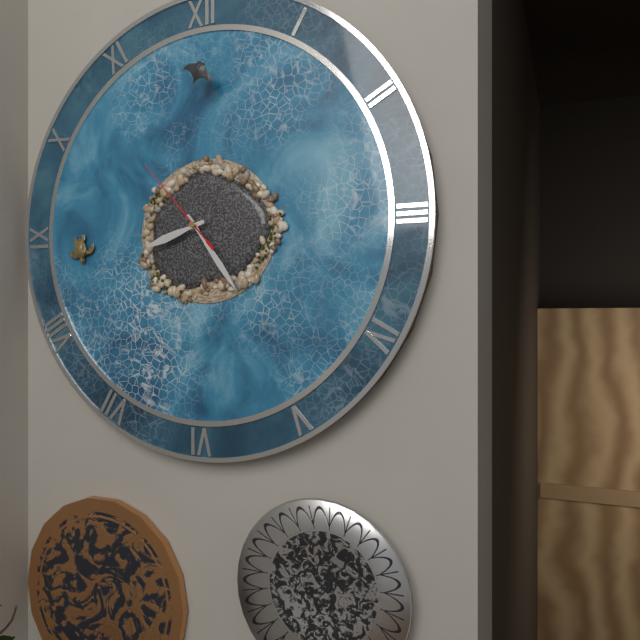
8:24:53
